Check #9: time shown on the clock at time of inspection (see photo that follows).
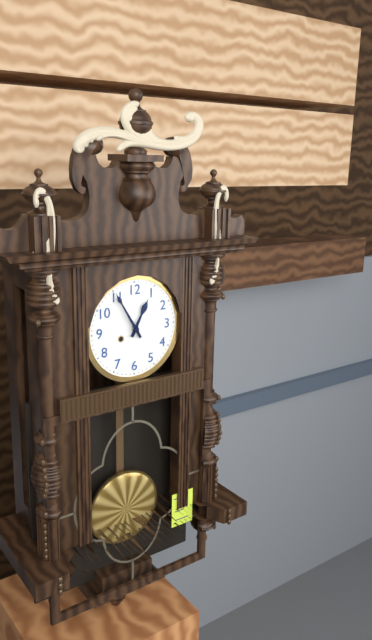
12:55
